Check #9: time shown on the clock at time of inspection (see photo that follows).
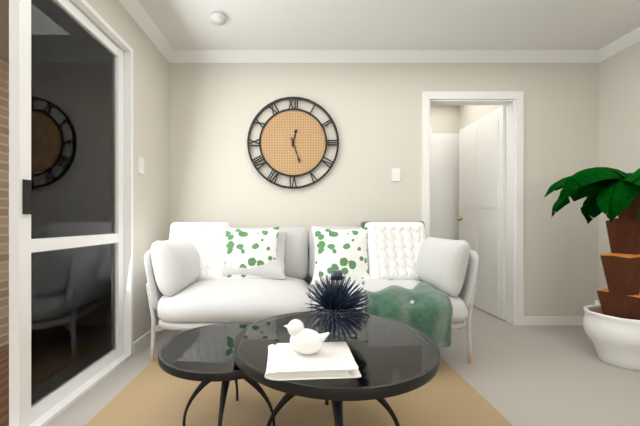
12:27
